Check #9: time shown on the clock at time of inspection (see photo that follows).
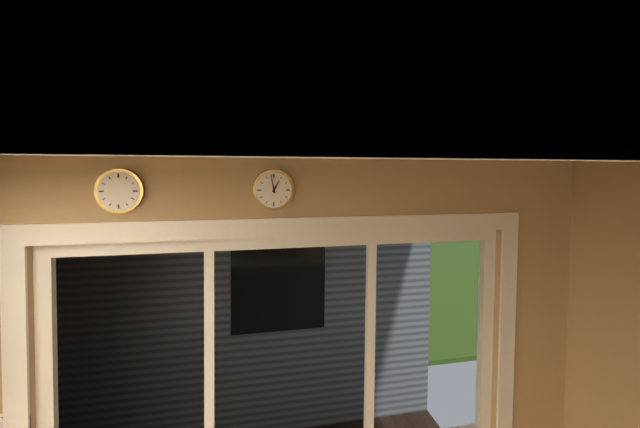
12:58
